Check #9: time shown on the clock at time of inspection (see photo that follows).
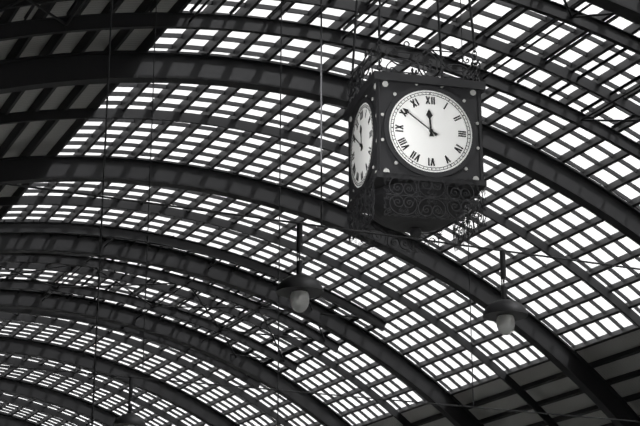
11:51
